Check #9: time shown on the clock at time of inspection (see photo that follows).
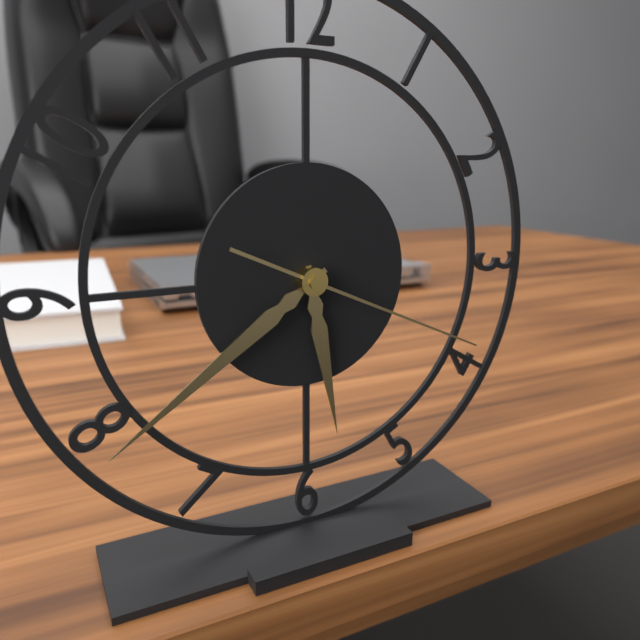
5:39:19
